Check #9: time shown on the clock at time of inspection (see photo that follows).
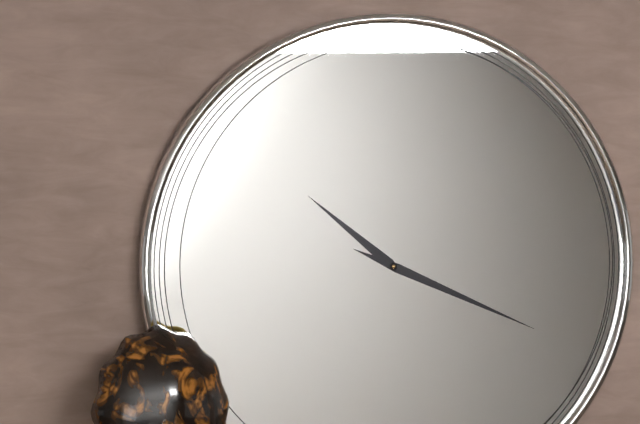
10:19
